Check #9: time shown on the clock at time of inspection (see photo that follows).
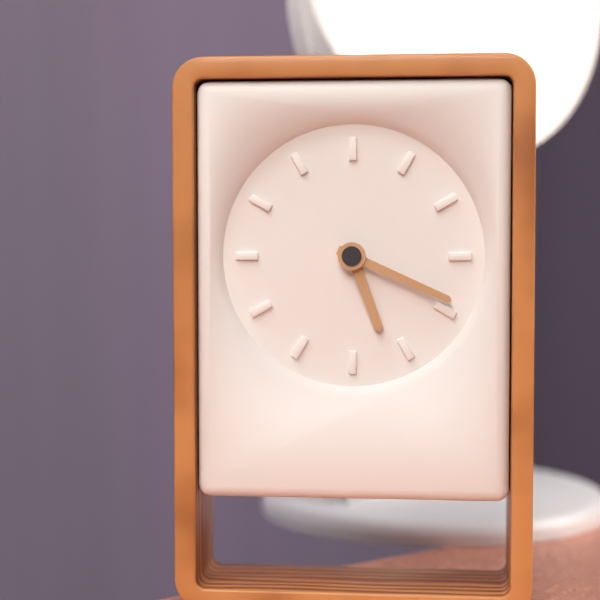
5:19
